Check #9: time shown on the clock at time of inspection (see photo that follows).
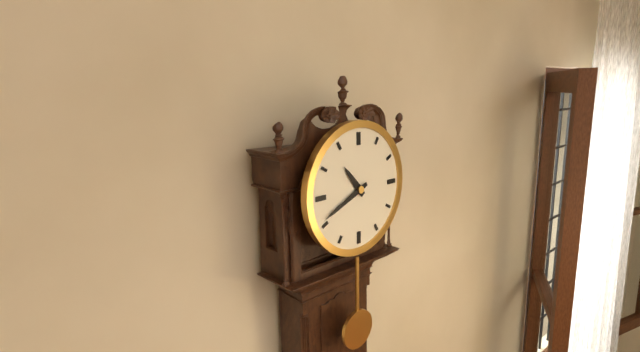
10:41
